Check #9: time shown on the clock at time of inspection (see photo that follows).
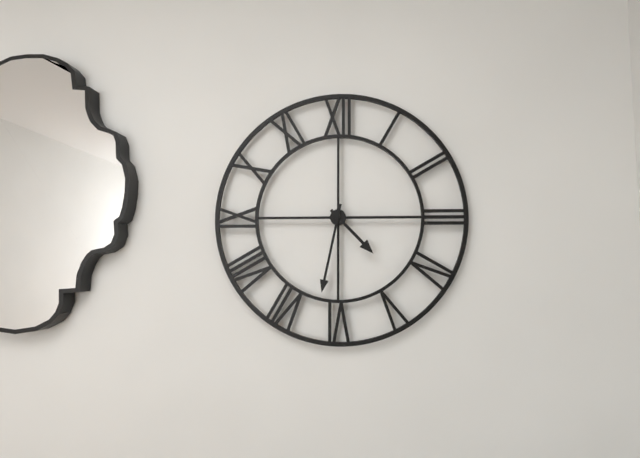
4:32
